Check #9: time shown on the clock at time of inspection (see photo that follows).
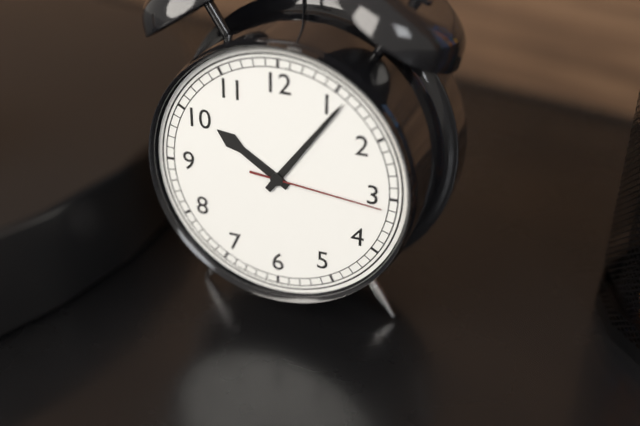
10:06:16
